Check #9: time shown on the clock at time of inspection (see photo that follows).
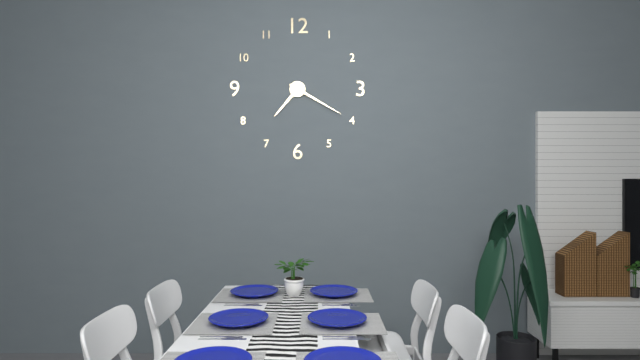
7:20
